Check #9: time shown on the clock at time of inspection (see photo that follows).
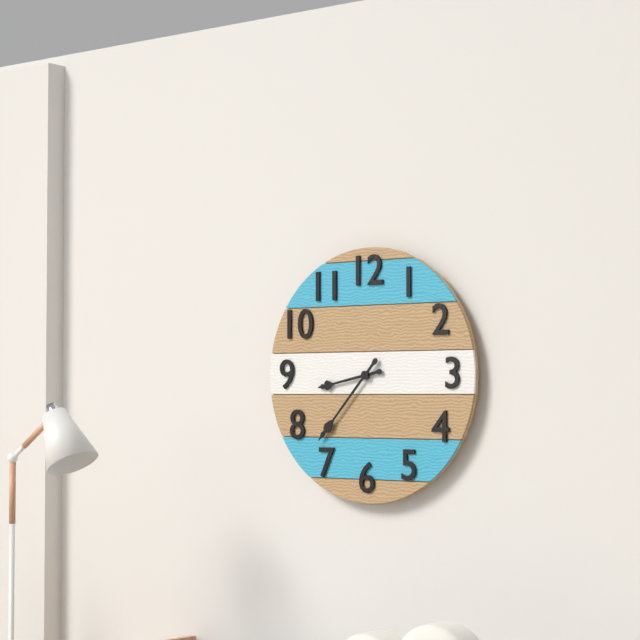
8:37
